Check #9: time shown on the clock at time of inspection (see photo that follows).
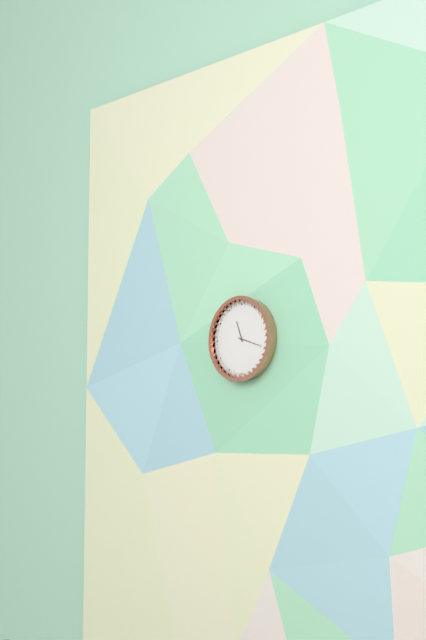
11:18
